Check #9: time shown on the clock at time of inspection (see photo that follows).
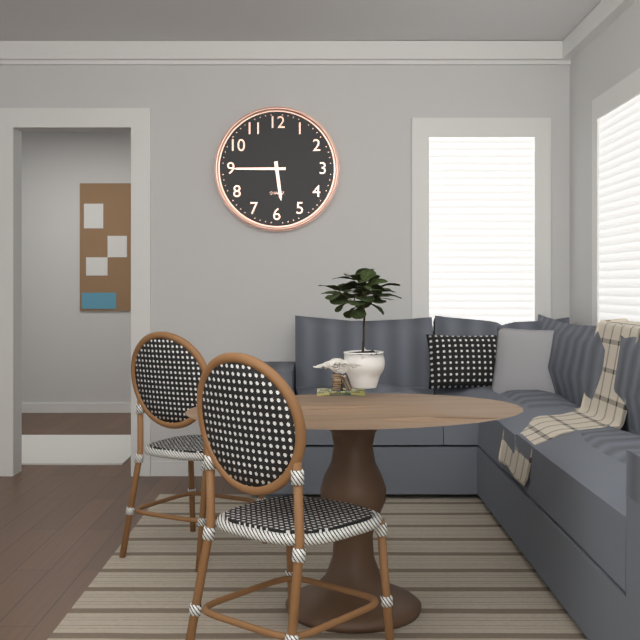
5:45
